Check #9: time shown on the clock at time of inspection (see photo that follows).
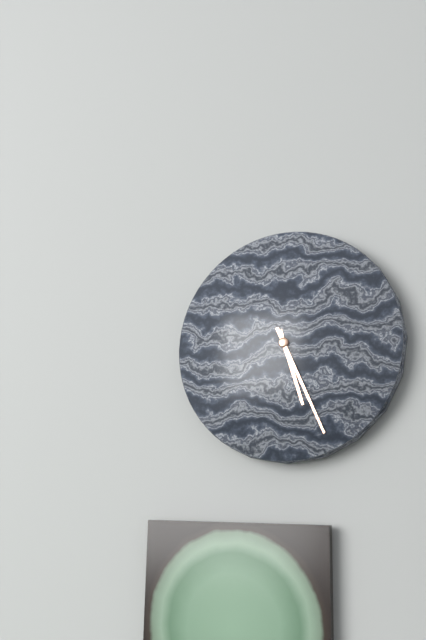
5:26
